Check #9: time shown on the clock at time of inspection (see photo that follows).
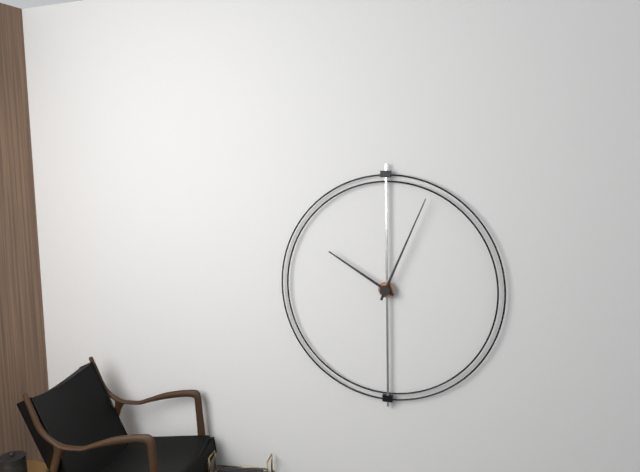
10:04
